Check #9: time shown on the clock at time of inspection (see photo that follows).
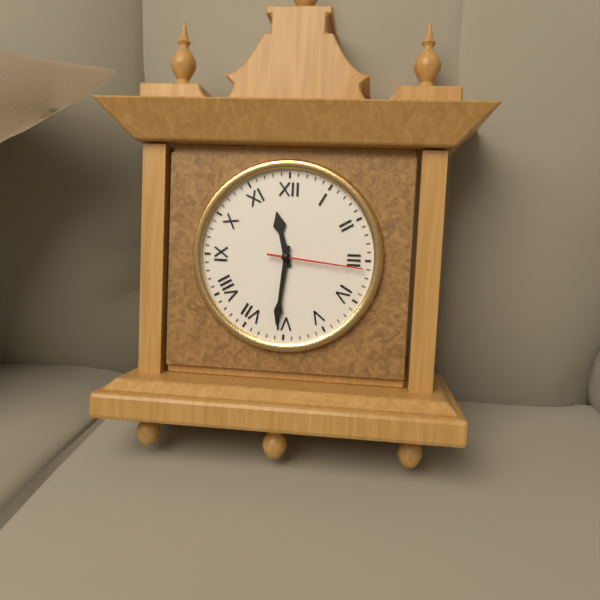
11:31:16
